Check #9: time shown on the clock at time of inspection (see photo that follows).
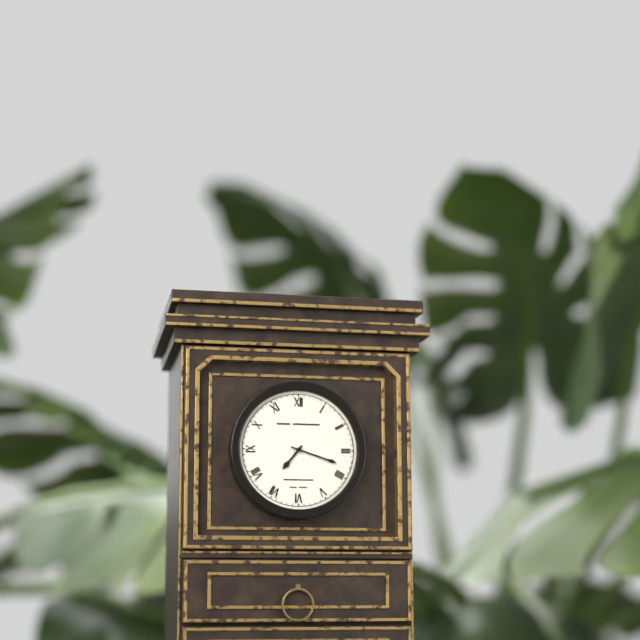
7:18
